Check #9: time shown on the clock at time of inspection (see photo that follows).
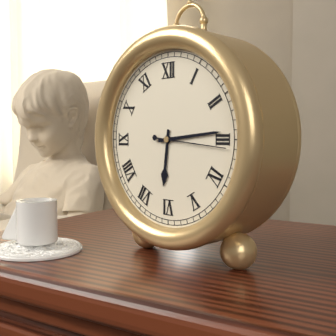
6:14
